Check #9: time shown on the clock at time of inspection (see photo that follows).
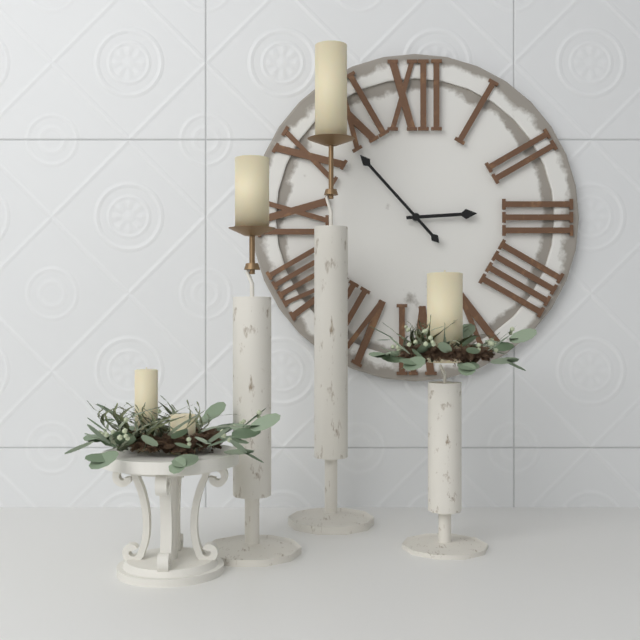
2:53
